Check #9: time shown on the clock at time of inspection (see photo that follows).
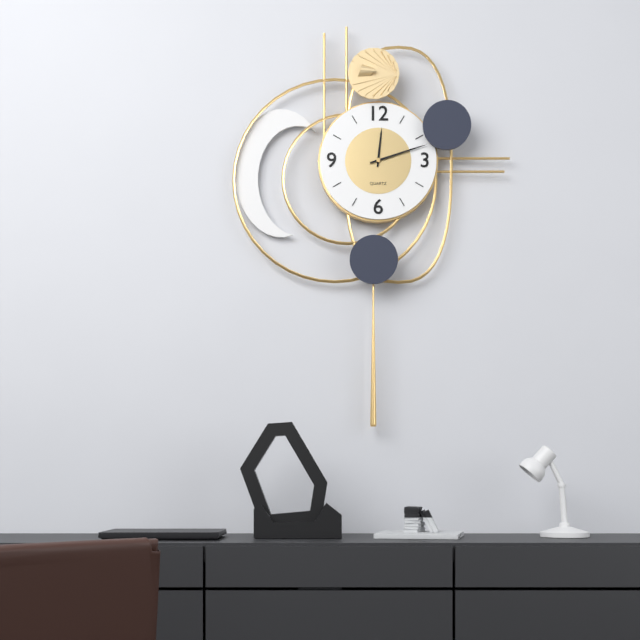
12:12
